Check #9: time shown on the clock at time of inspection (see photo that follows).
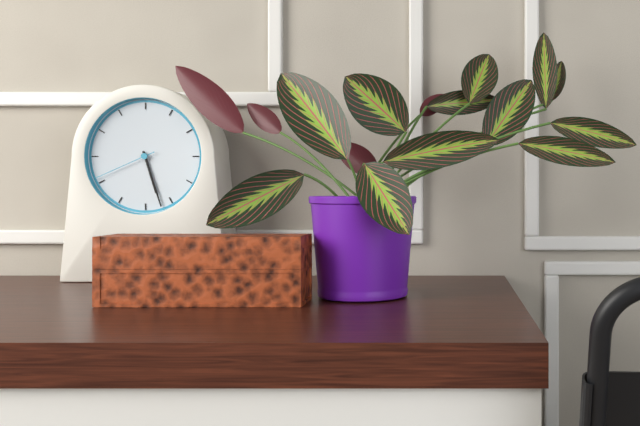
5:27:41
